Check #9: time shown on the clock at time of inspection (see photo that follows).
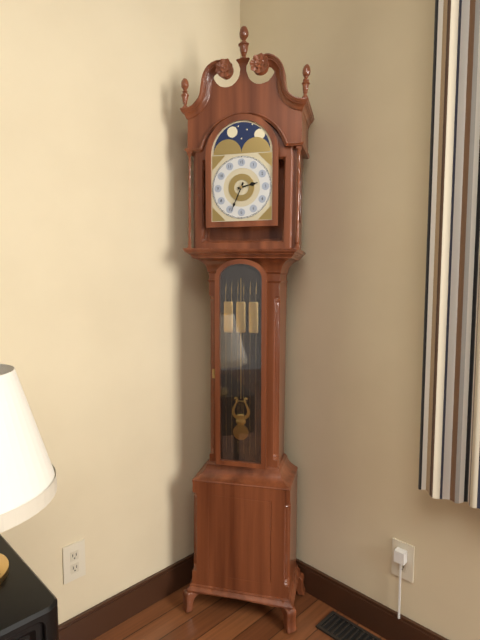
2:34
